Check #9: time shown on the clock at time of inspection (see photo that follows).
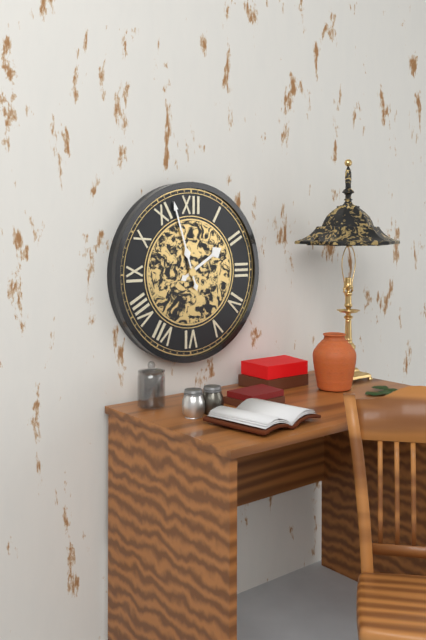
1:57
